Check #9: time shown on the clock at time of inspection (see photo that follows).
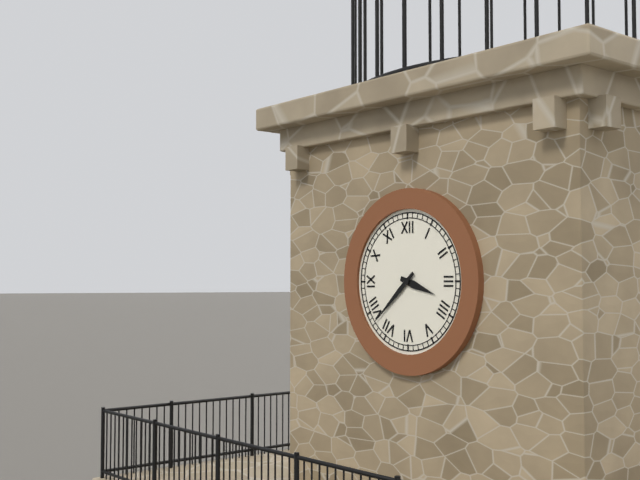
3:38
